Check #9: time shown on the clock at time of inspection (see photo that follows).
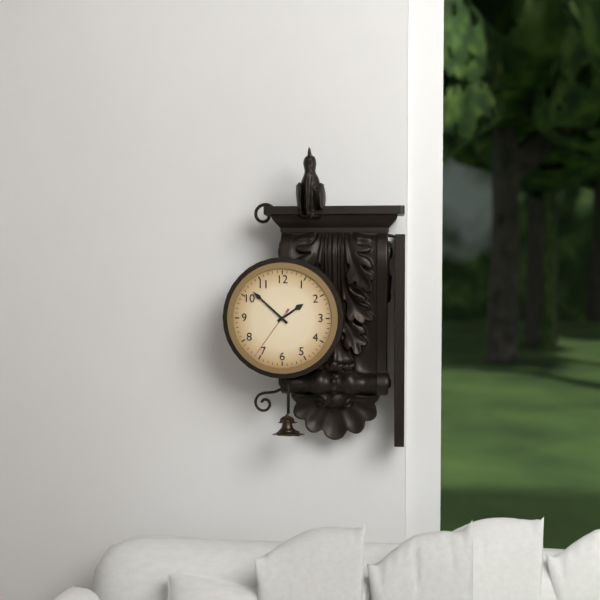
1:52:36
